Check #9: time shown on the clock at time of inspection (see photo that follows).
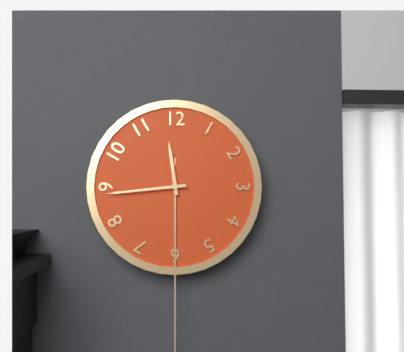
11:44
